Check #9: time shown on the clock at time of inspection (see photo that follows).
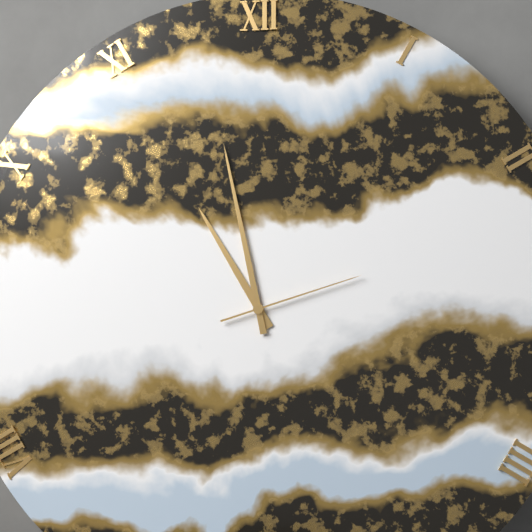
10:58:12
